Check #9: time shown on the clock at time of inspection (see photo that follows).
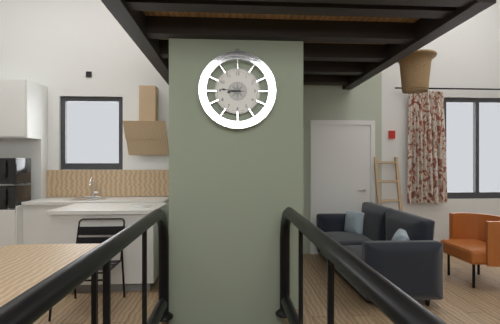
8:46
